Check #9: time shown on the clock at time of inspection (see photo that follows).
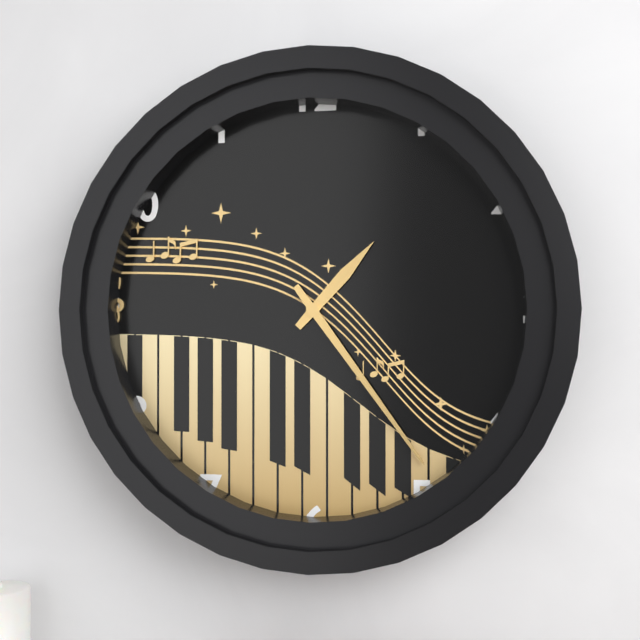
1:24
